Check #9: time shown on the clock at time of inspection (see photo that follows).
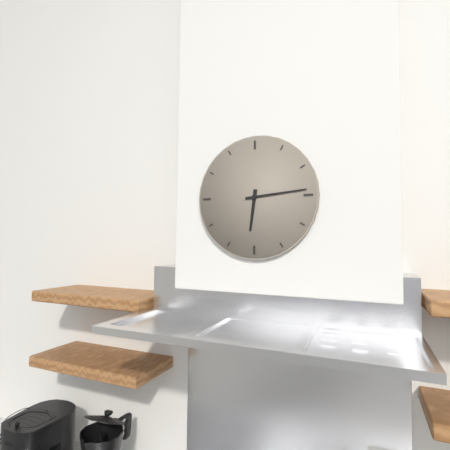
6:14
